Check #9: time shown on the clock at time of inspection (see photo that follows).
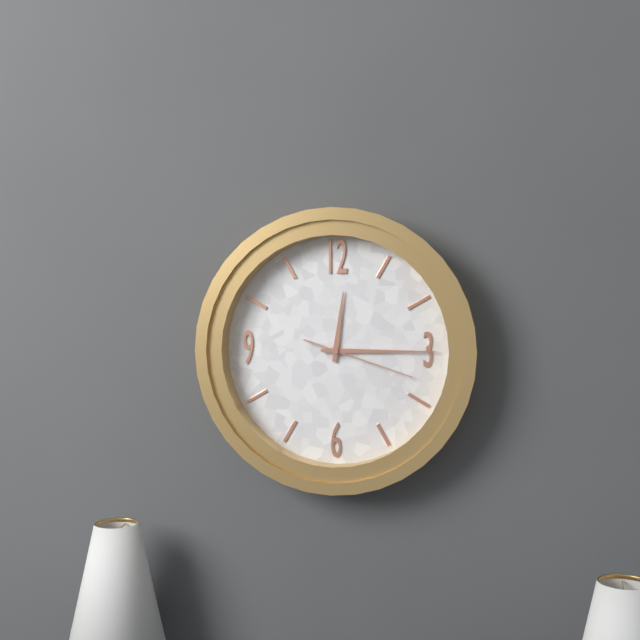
12:15:18
